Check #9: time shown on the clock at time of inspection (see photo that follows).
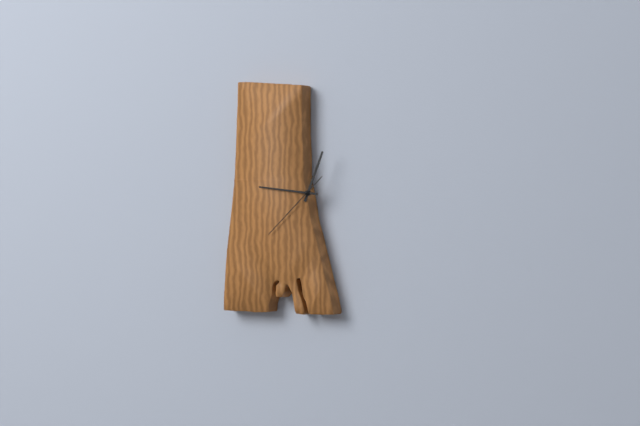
12:46:38
